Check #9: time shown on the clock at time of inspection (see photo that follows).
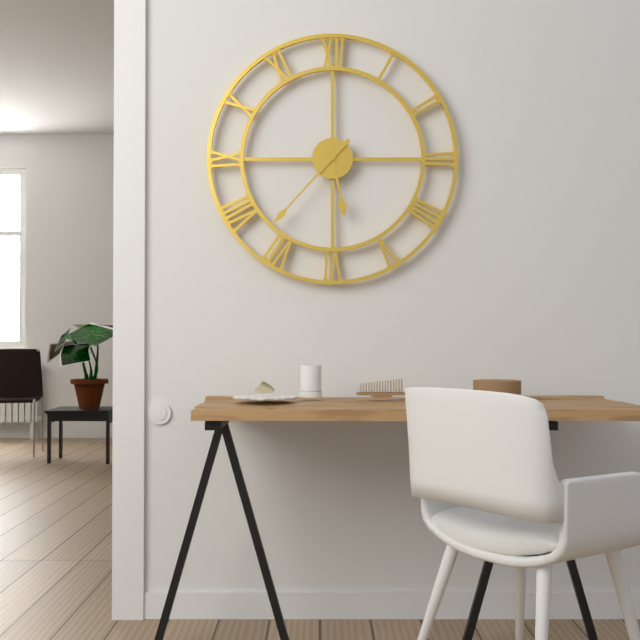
5:37
